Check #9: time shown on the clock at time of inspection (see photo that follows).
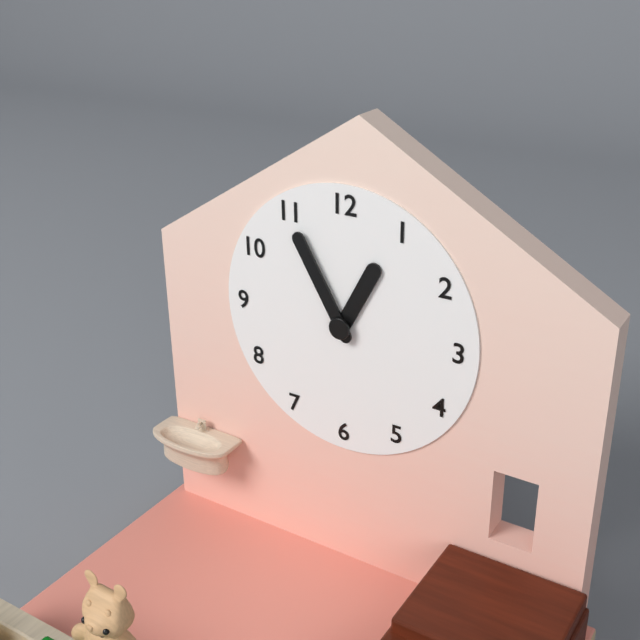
12:55
